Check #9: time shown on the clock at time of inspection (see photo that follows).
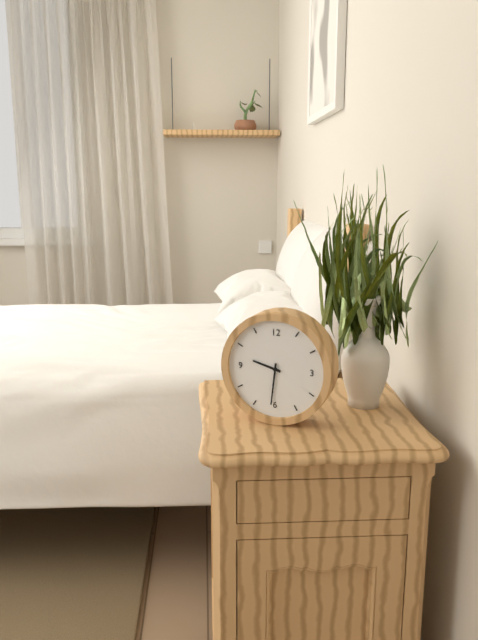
9:31
